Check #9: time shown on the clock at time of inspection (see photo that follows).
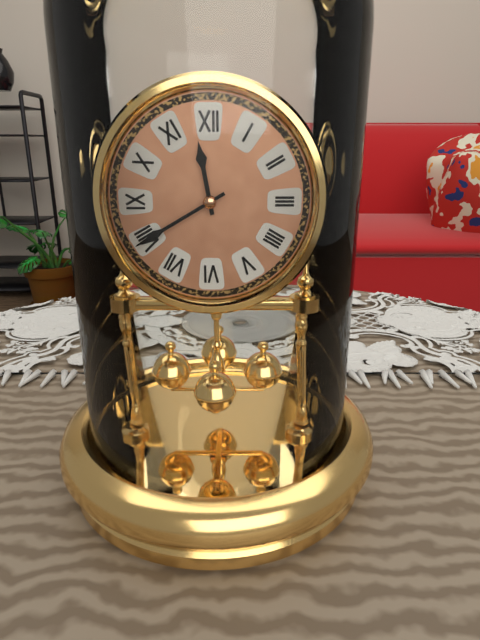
11:40
